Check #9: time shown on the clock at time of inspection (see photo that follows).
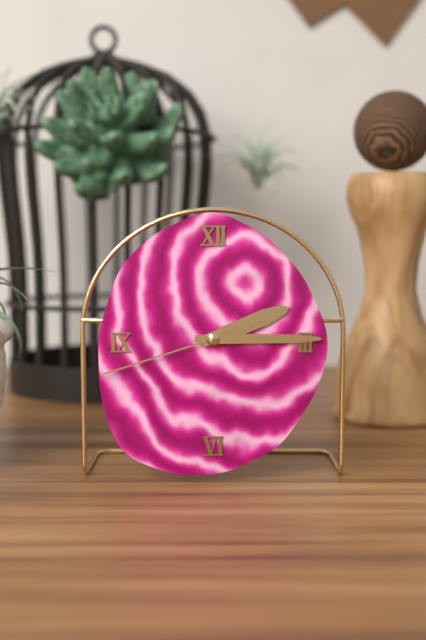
2:15:42
